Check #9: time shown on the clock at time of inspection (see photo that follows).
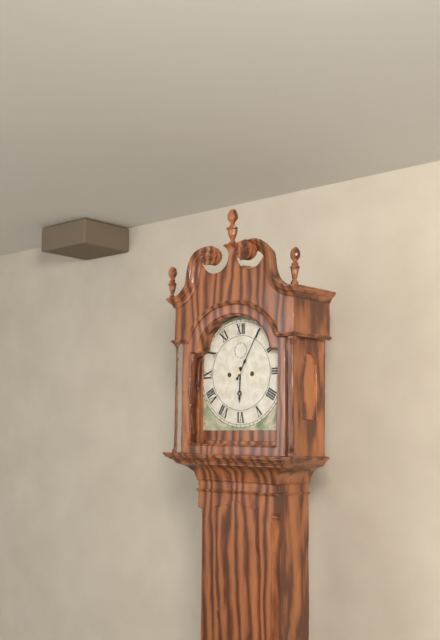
6:05
